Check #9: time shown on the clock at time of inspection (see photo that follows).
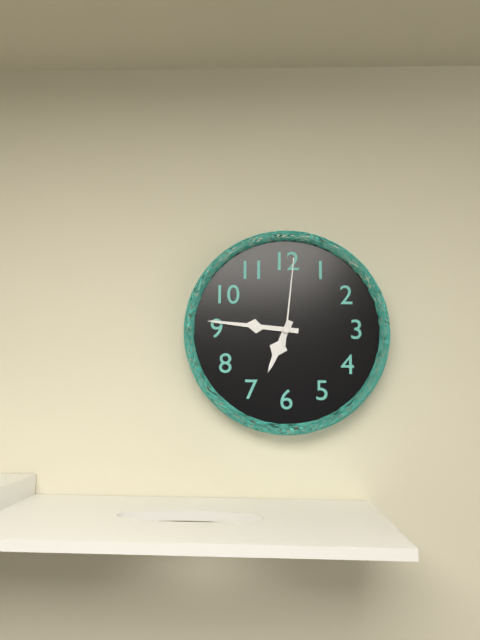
6:46:01
